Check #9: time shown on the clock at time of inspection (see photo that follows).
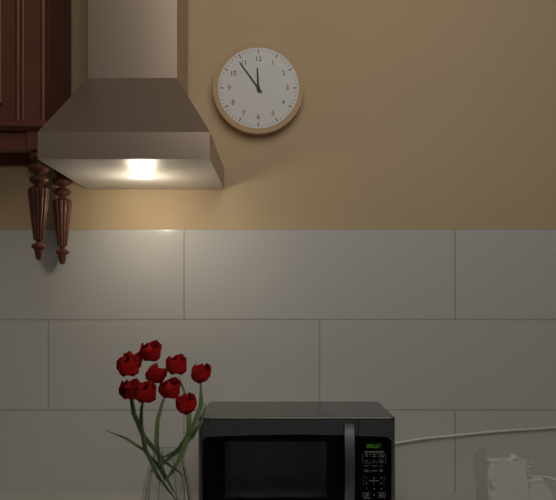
11:54
